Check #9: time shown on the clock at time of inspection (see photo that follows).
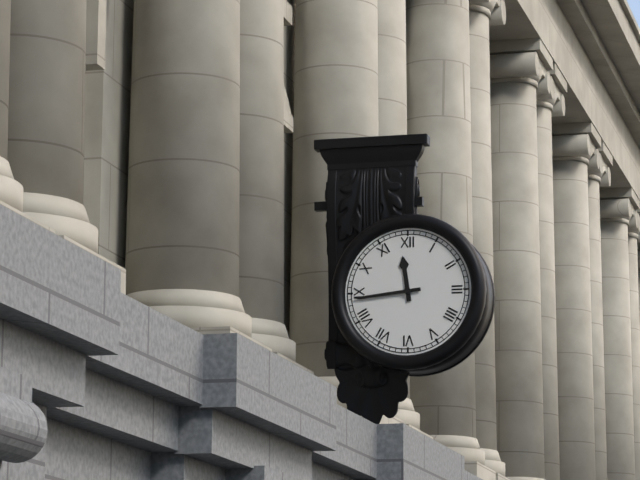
11:44
